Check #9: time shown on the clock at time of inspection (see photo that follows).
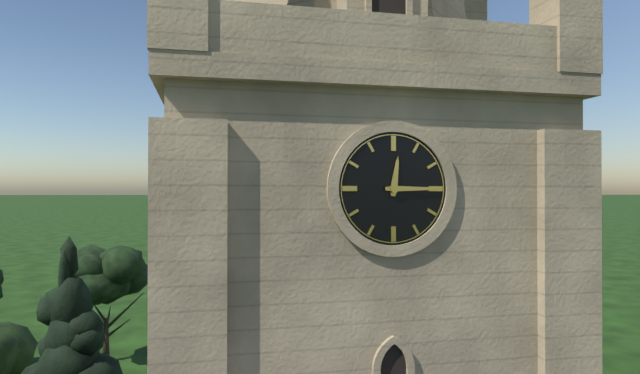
12:15
